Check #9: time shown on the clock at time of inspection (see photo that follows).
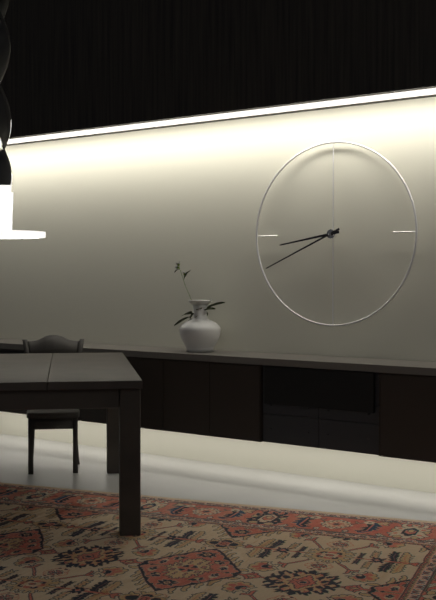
8:41
